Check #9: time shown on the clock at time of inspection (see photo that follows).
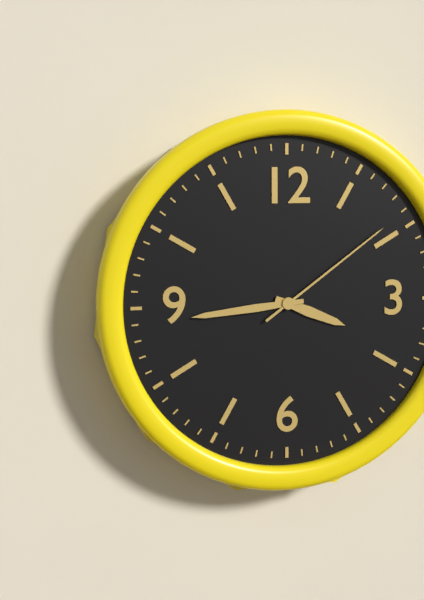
3:44:09
